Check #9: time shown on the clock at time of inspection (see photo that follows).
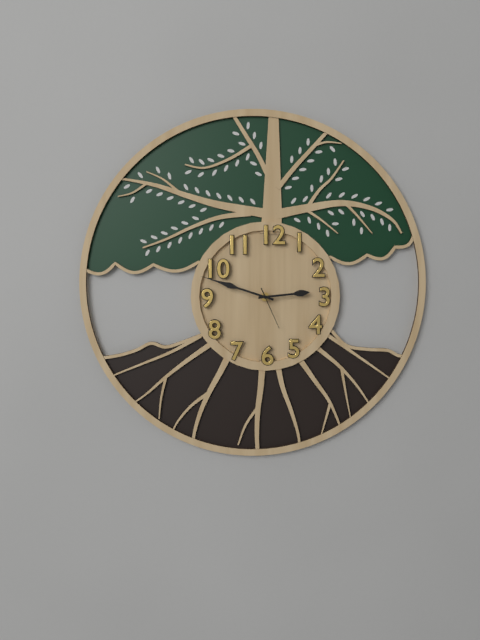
2:48
